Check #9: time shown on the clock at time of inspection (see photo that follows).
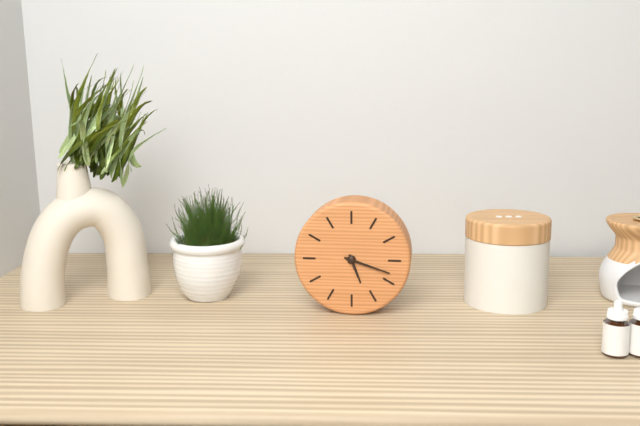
5:18
